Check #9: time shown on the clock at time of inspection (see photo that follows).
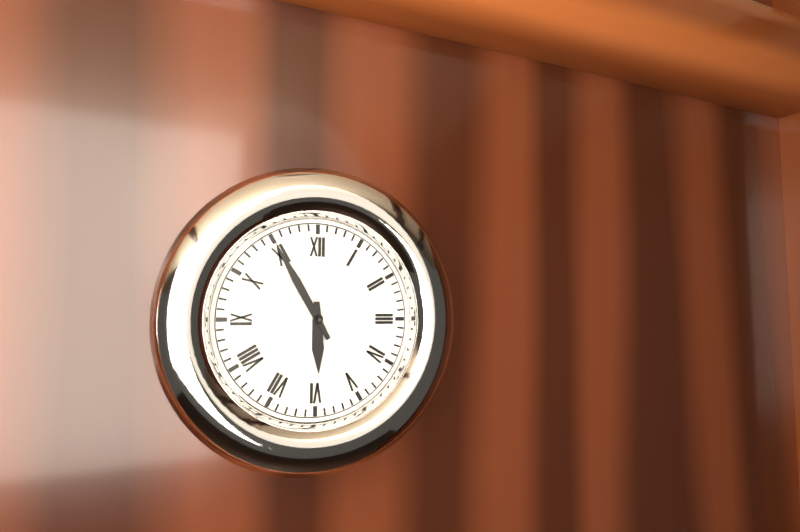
5:55
